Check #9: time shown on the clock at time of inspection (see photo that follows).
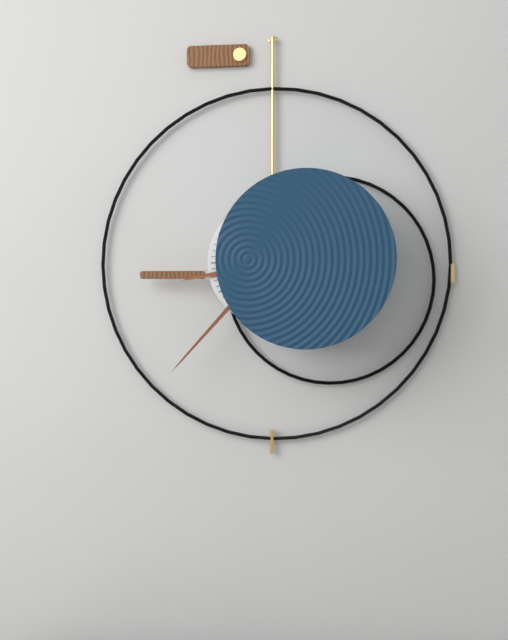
8:37
